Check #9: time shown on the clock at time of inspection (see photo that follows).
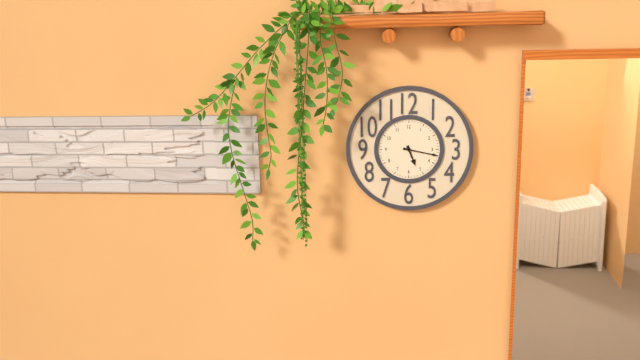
5:17
